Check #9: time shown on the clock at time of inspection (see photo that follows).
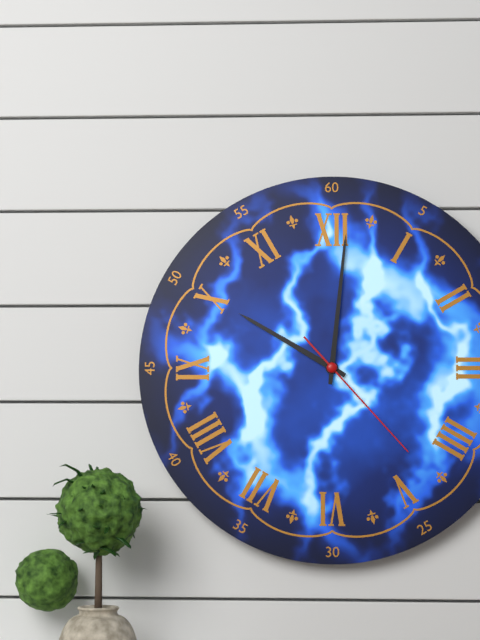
10:01:23
